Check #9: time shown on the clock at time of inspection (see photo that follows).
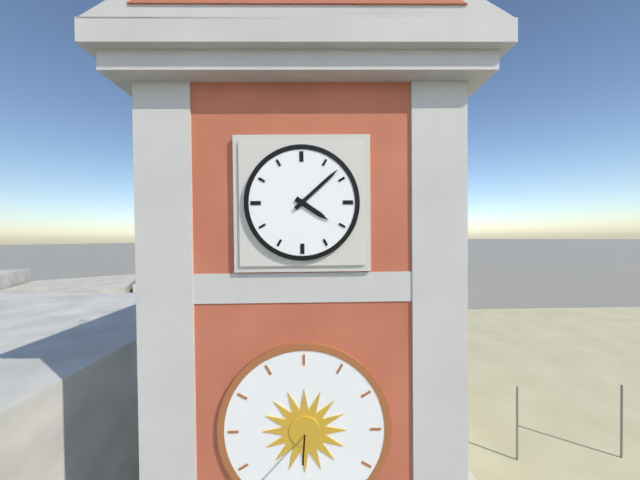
4:08
